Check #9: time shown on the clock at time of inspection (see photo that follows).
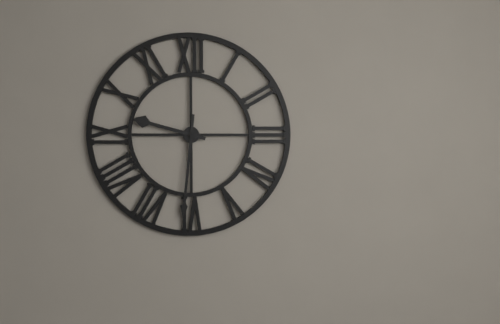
9:31
